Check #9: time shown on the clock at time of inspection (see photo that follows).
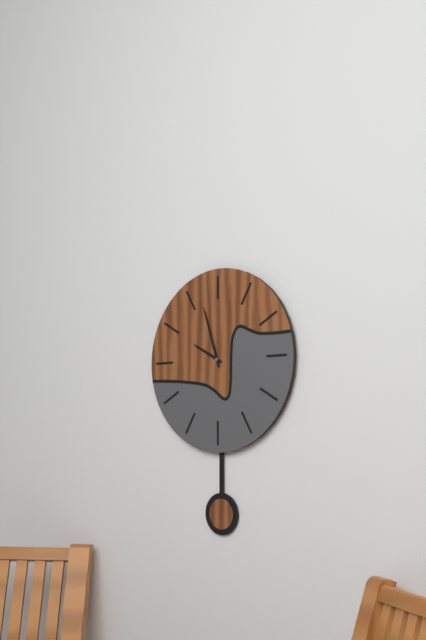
9:57
